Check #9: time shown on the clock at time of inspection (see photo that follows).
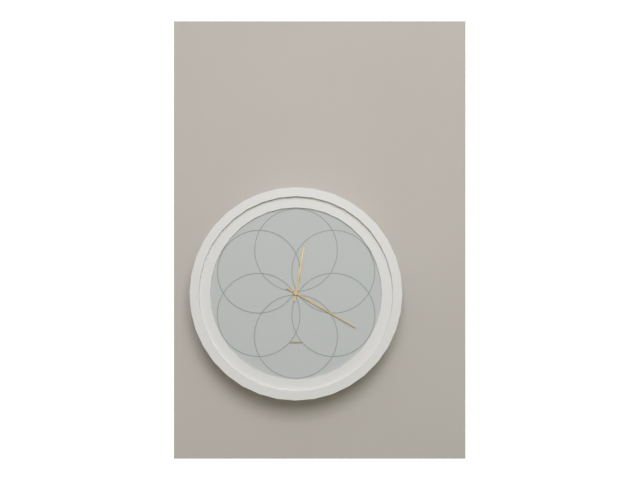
12:20
